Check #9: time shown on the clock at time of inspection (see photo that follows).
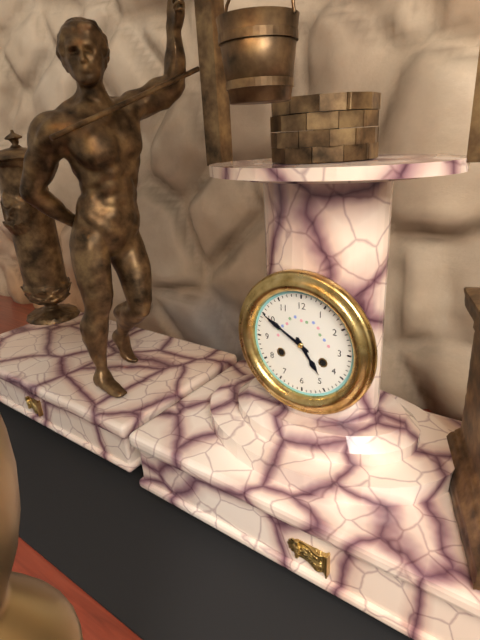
4:50
